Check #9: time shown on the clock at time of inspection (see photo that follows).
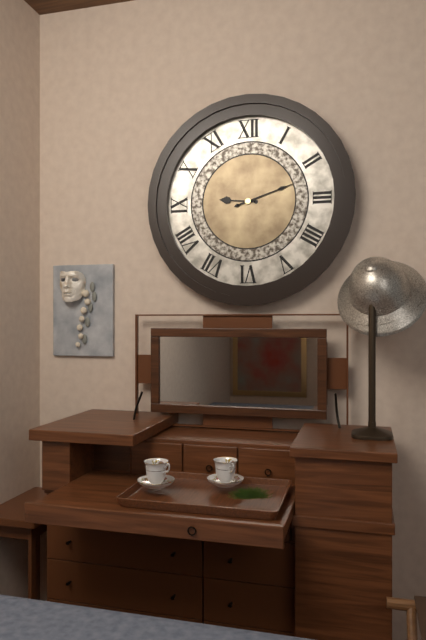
9:12
